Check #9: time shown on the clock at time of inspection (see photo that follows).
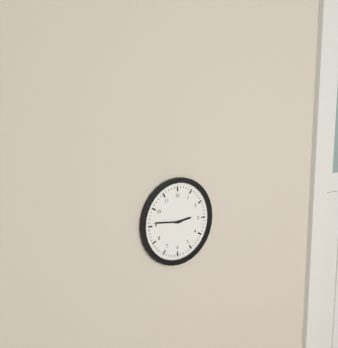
2:46
